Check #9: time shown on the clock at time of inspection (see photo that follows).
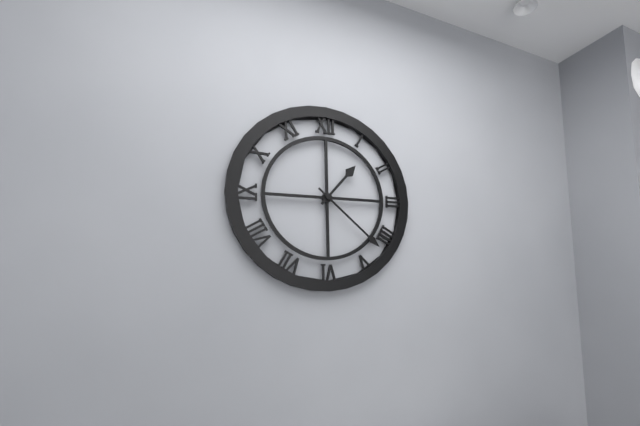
1:22
